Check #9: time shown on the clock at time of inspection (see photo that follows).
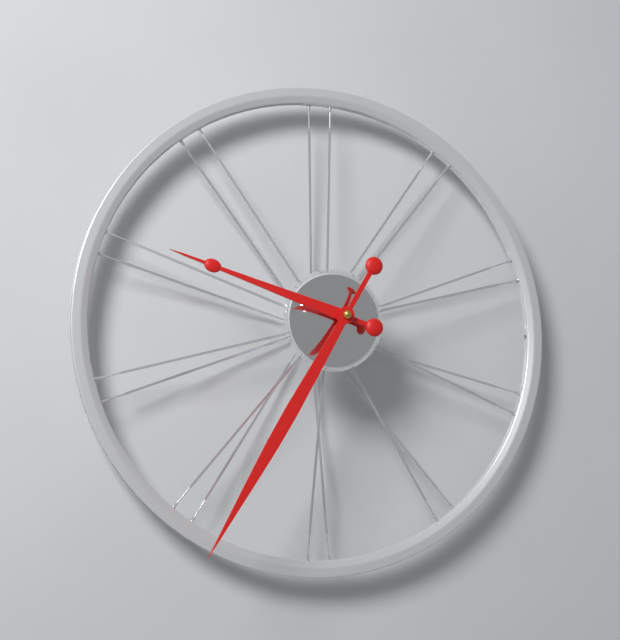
9:35
